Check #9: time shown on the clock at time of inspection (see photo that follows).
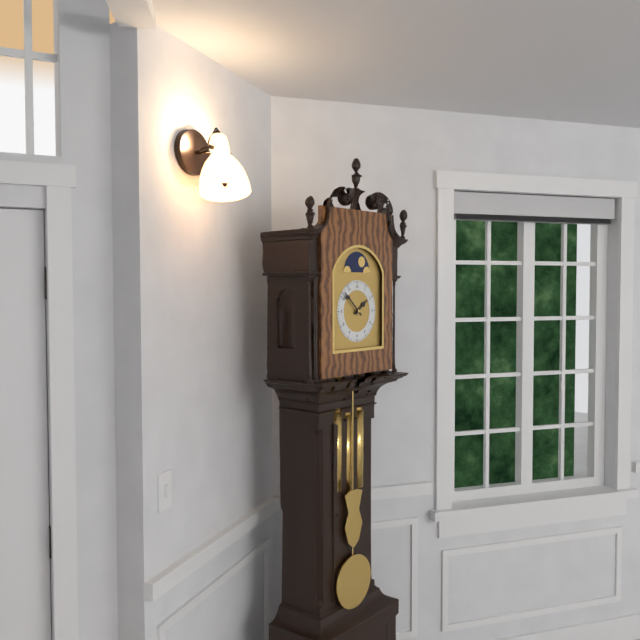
1:52
